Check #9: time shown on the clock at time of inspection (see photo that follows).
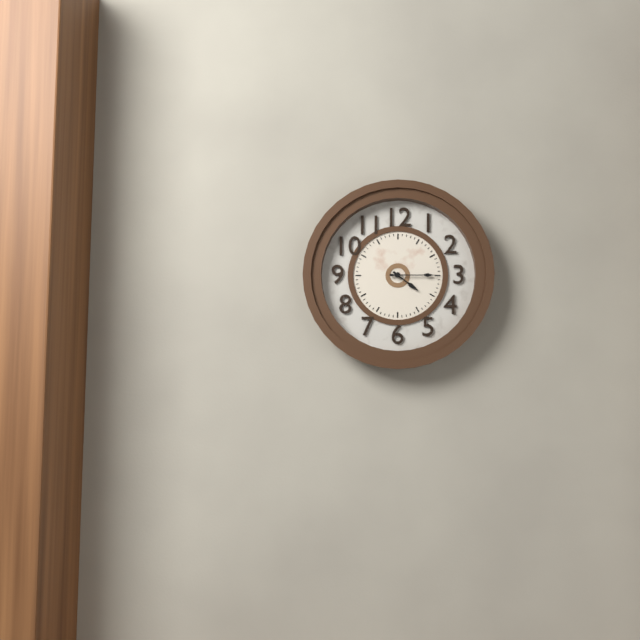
4:15
